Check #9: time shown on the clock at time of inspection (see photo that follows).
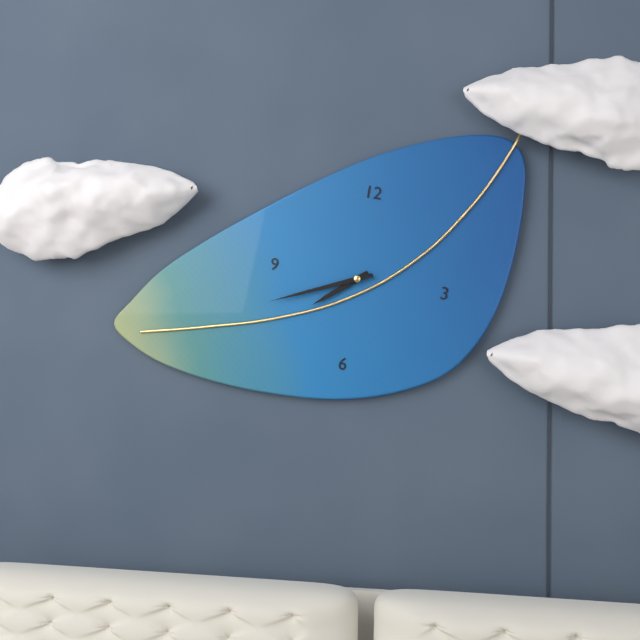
7:41
